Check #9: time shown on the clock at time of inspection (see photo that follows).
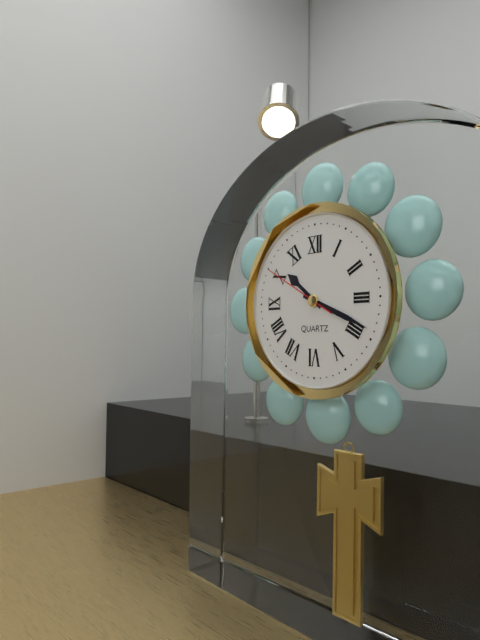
10:19:50
